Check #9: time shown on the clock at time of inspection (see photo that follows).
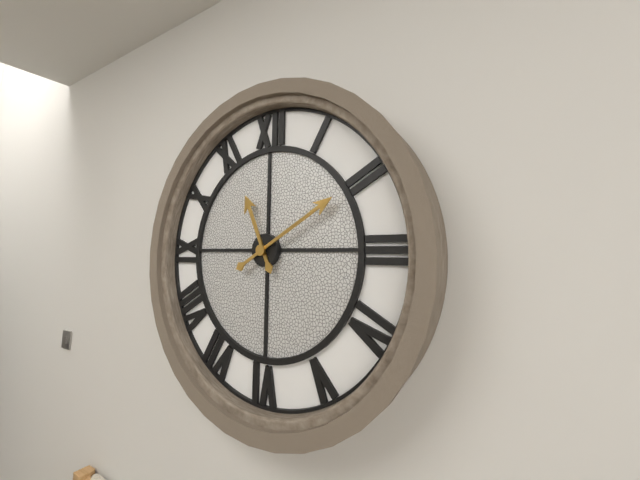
11:10
